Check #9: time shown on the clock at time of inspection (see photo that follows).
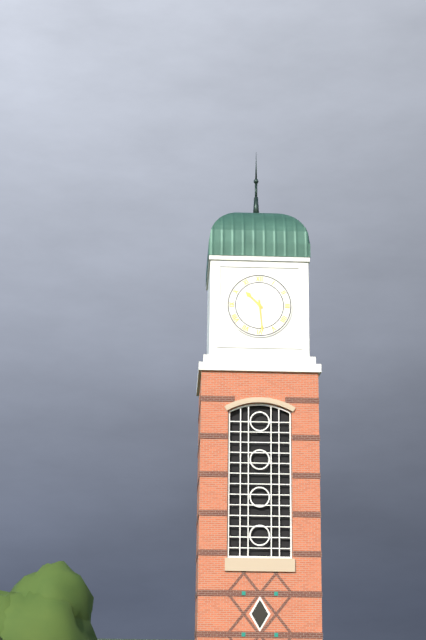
10:29
